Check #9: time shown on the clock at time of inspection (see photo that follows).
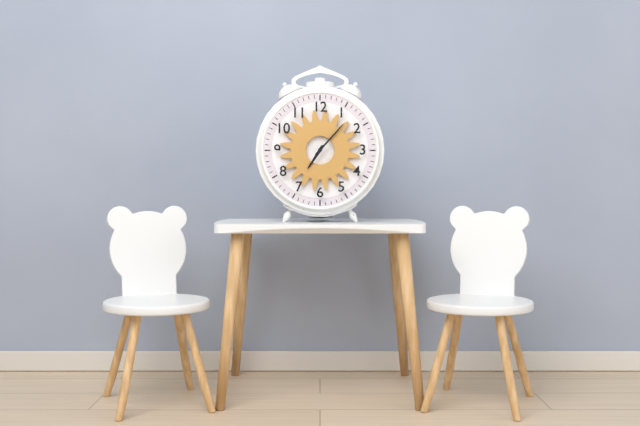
7:07
